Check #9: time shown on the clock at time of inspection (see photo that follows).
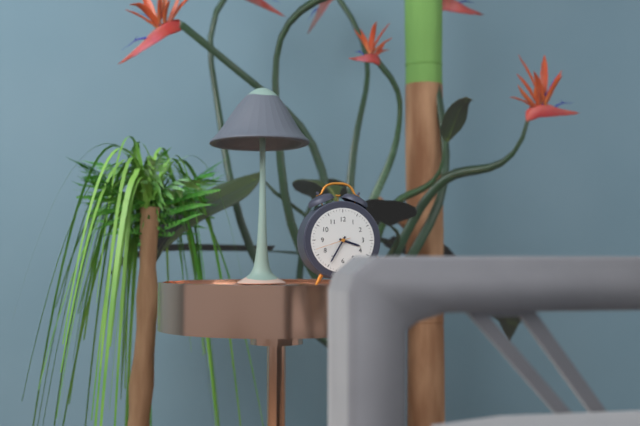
3:35
